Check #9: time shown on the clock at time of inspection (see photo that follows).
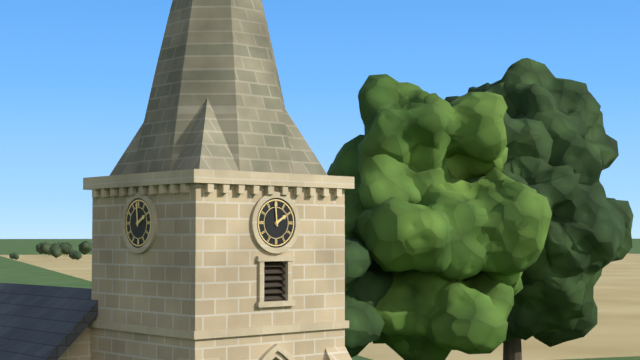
1:59
